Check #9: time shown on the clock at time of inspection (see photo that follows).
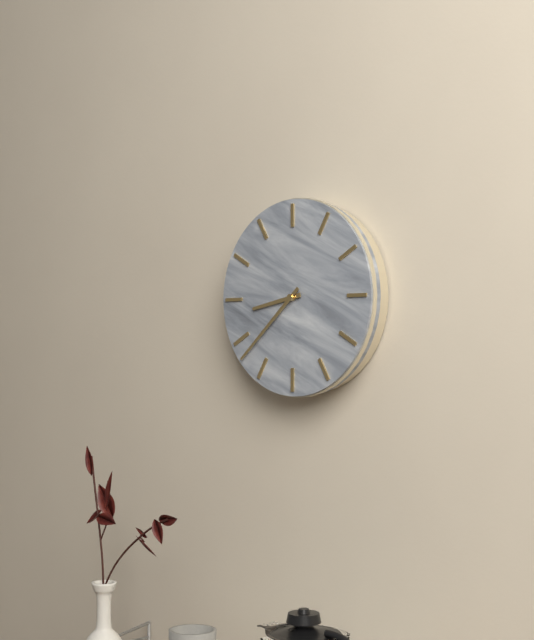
8:38
